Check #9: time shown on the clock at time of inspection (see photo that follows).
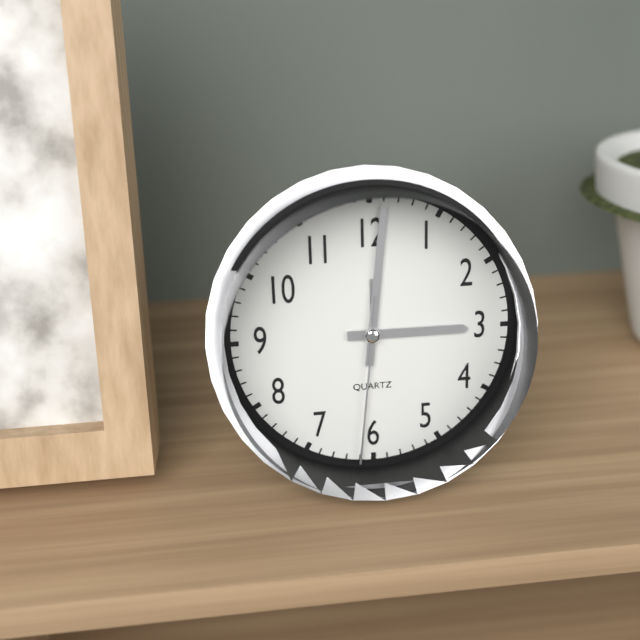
3:01:31
